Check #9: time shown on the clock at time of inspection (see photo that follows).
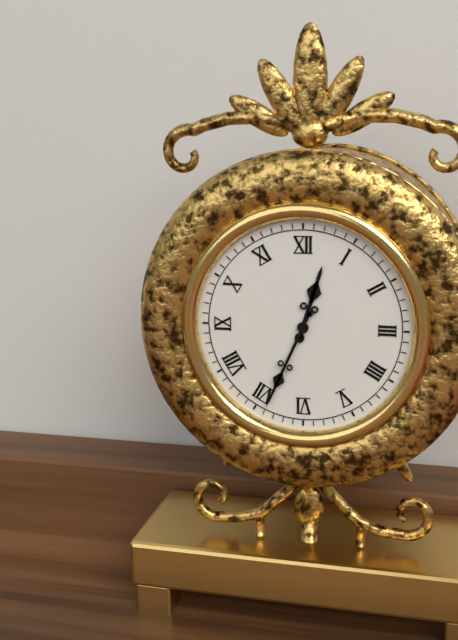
12:34
